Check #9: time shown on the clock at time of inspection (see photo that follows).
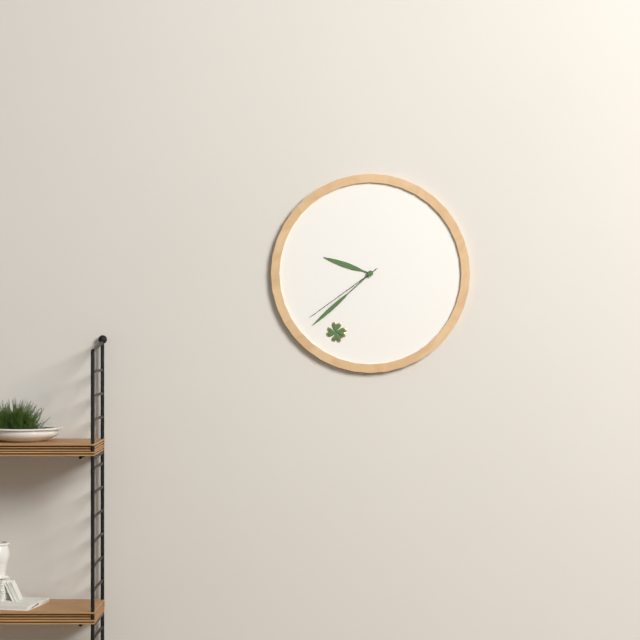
9:38:39
